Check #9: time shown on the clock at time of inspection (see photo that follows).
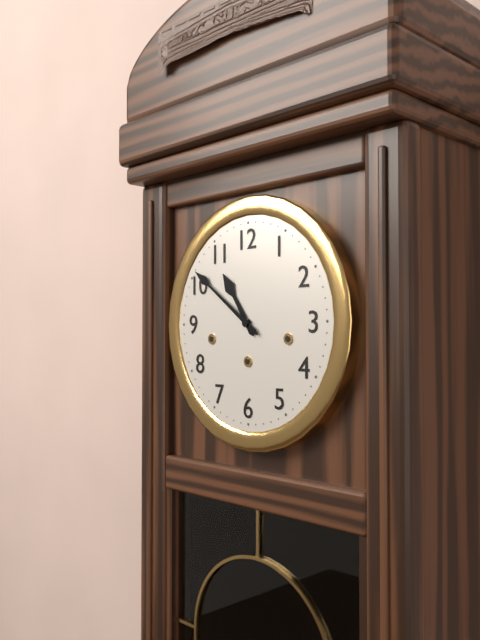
10:51
